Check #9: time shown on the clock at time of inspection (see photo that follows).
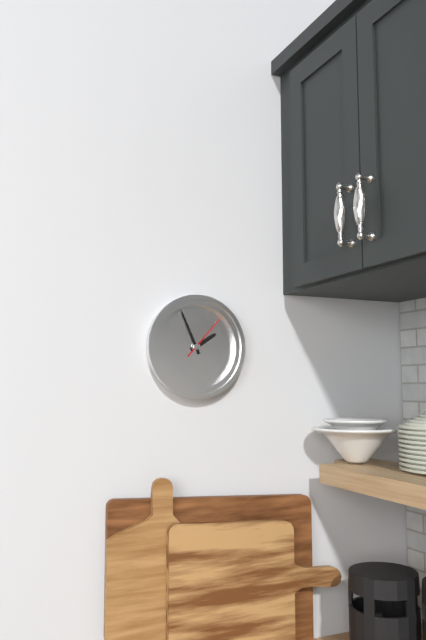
1:56
